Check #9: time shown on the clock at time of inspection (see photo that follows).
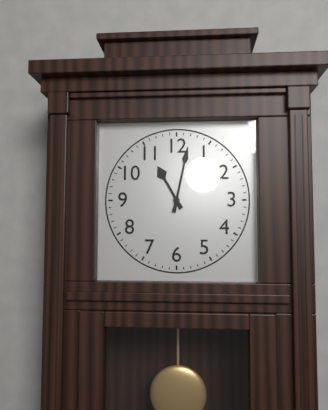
11:02
